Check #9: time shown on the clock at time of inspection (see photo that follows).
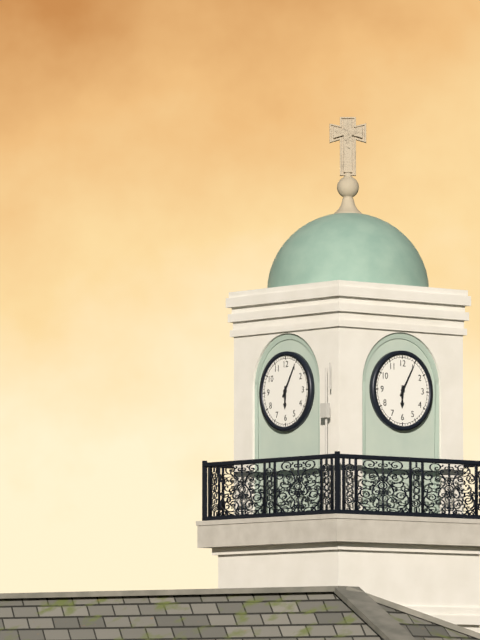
6:05
